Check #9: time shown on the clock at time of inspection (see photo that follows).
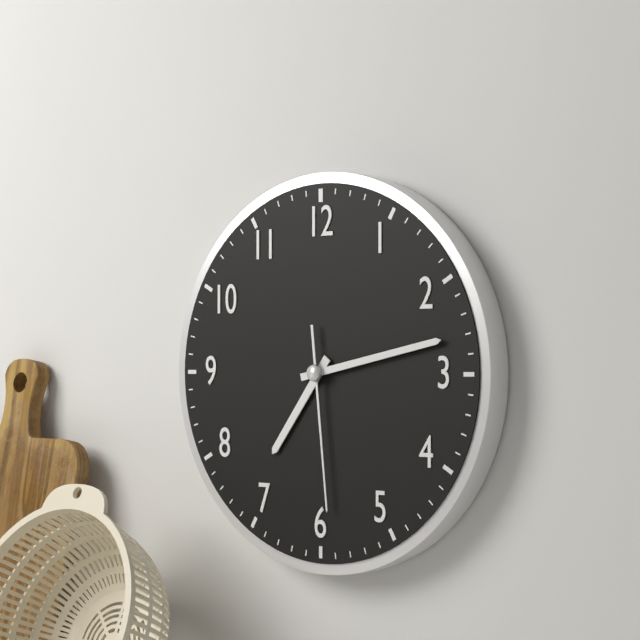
7:13:29
